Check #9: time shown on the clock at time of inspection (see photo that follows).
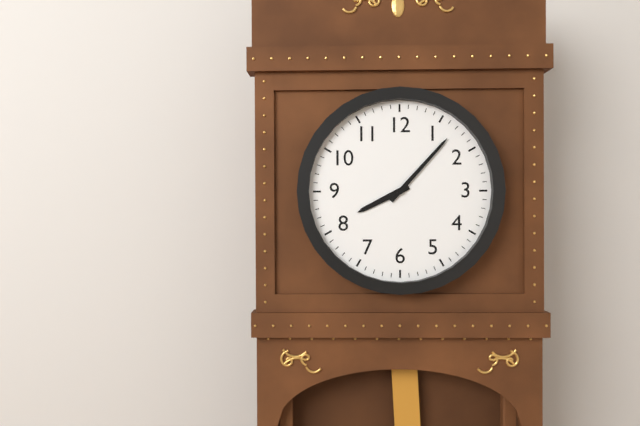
8:07
